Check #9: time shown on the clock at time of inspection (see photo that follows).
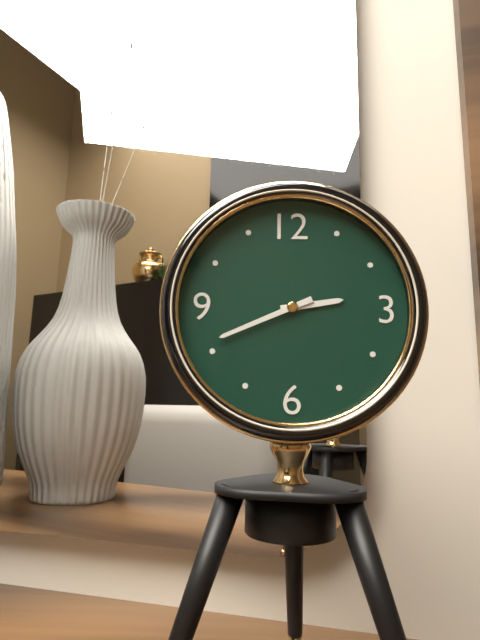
2:41
